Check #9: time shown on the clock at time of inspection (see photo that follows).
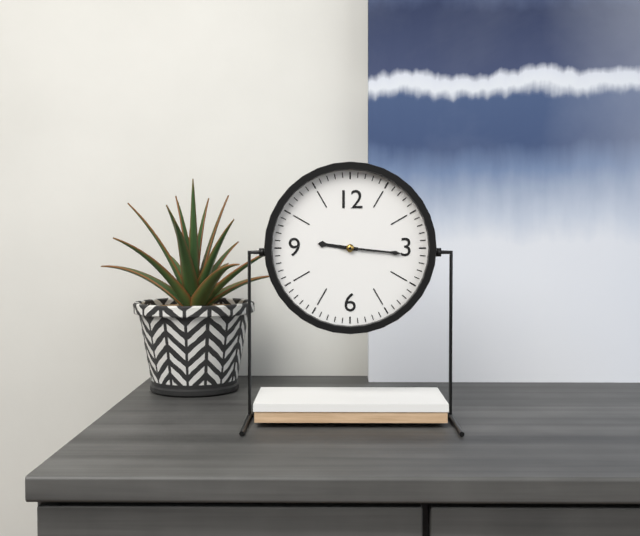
9:16
